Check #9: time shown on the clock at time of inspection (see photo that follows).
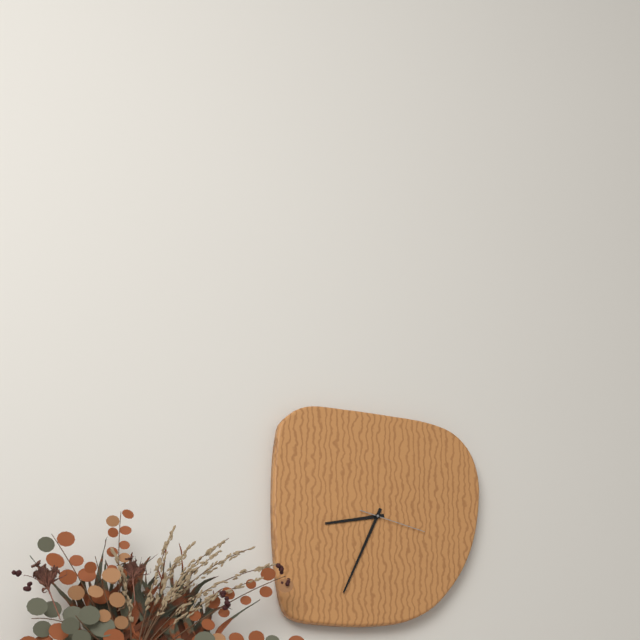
8:34:17
